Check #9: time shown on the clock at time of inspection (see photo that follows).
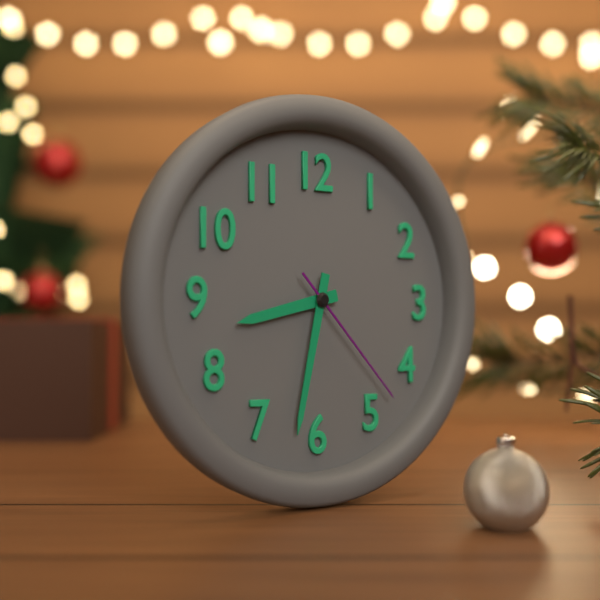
8:32:23
